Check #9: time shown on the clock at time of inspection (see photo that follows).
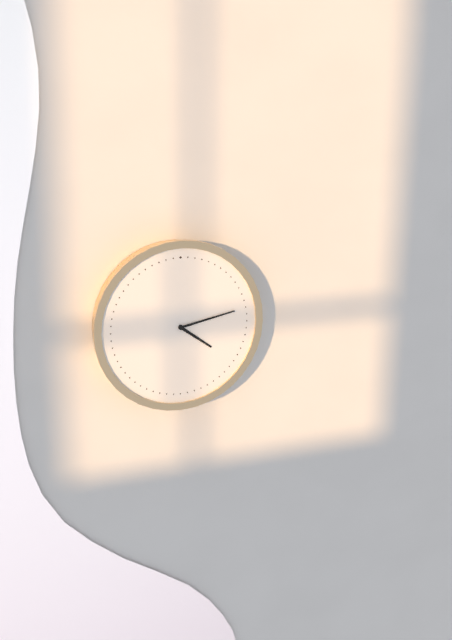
4:13
